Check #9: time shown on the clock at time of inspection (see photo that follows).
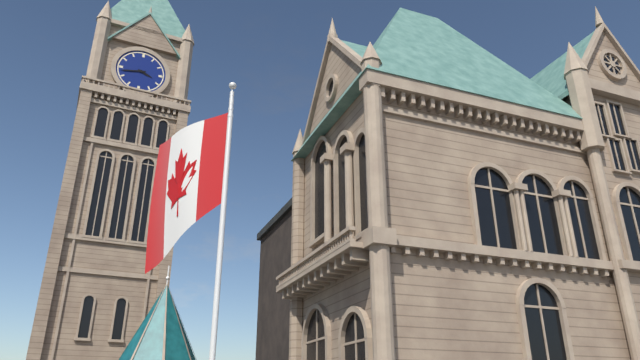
3:43
